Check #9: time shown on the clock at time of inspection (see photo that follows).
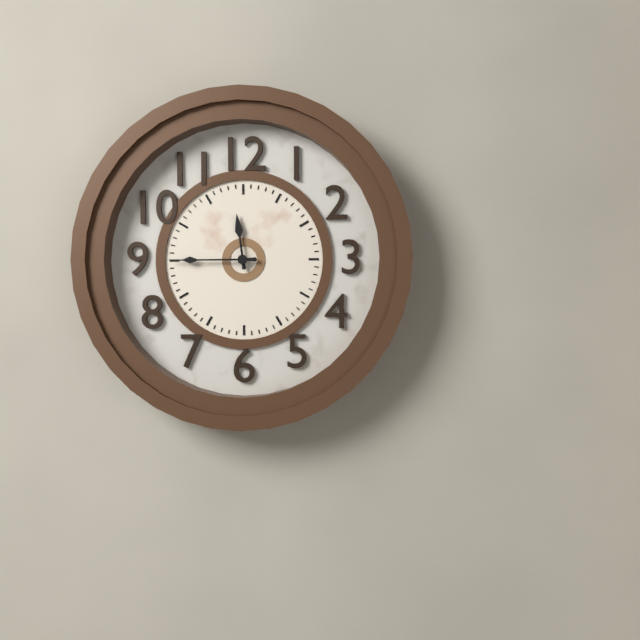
11:45
